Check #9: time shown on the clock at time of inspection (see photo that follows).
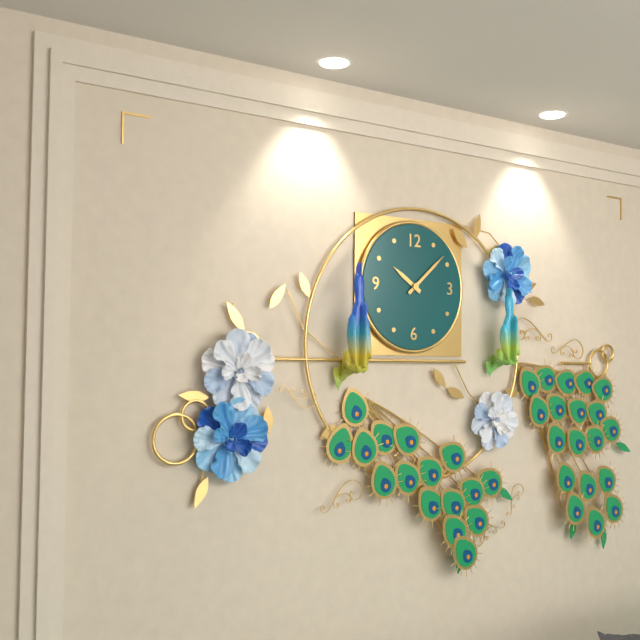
10:08
